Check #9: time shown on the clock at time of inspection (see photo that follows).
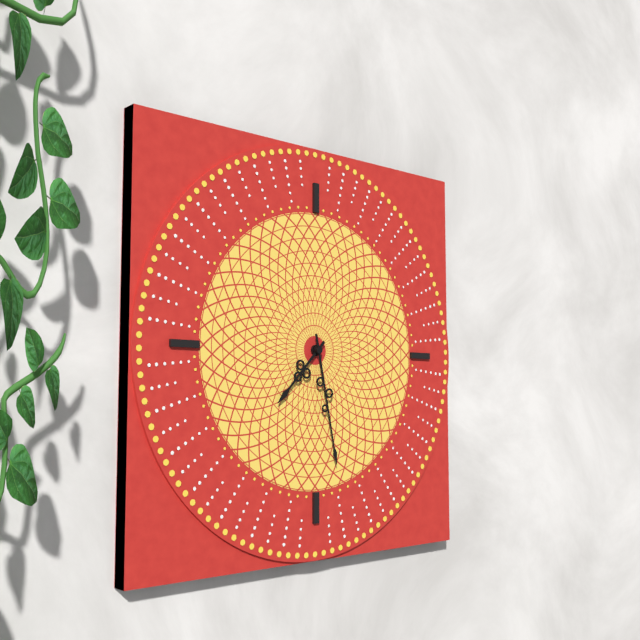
7:28
